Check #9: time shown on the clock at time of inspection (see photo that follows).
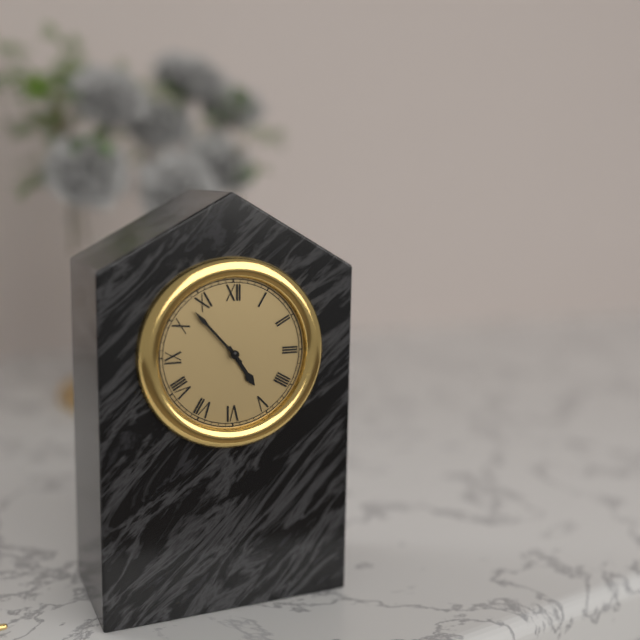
4:53
